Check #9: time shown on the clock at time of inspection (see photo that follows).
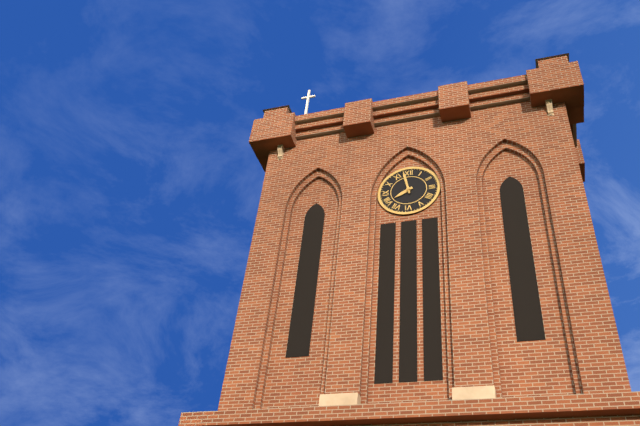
7:58
